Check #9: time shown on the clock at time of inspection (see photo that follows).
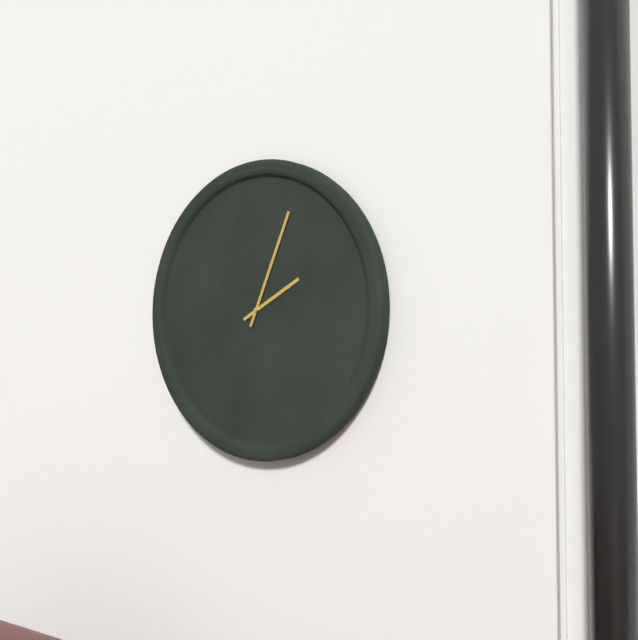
2:04
